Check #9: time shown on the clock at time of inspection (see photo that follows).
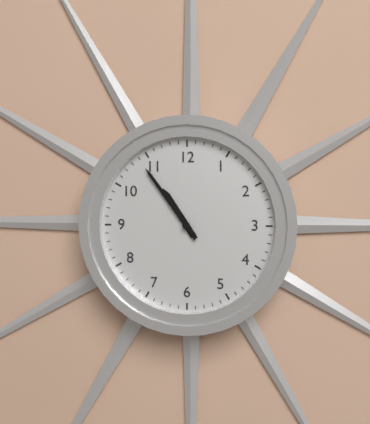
10:54
